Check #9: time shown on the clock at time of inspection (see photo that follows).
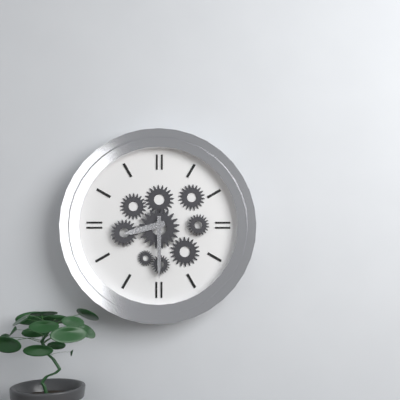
8:30
